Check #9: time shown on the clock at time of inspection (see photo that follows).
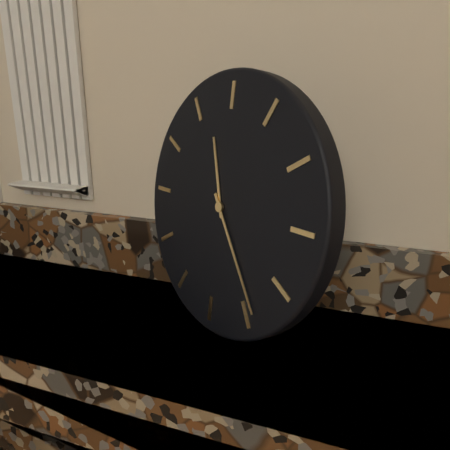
11:24
